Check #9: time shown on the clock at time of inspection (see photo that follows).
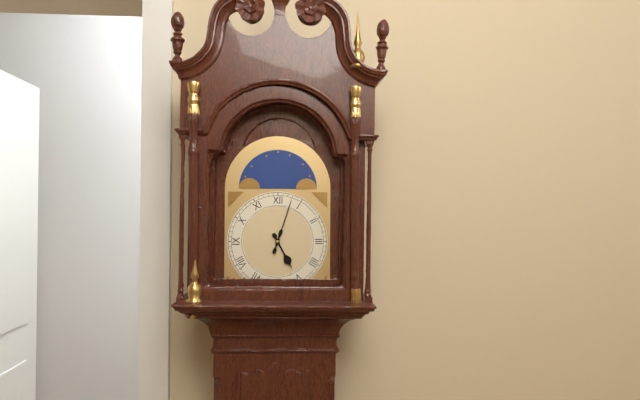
5:03
